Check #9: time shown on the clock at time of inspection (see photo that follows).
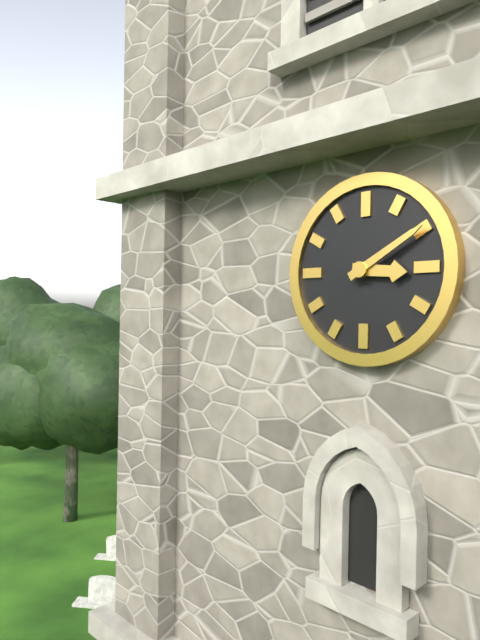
3:10
